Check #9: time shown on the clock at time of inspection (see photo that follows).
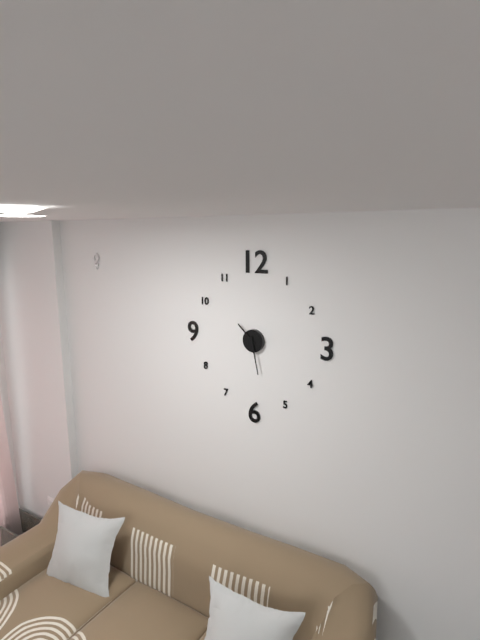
10:28
